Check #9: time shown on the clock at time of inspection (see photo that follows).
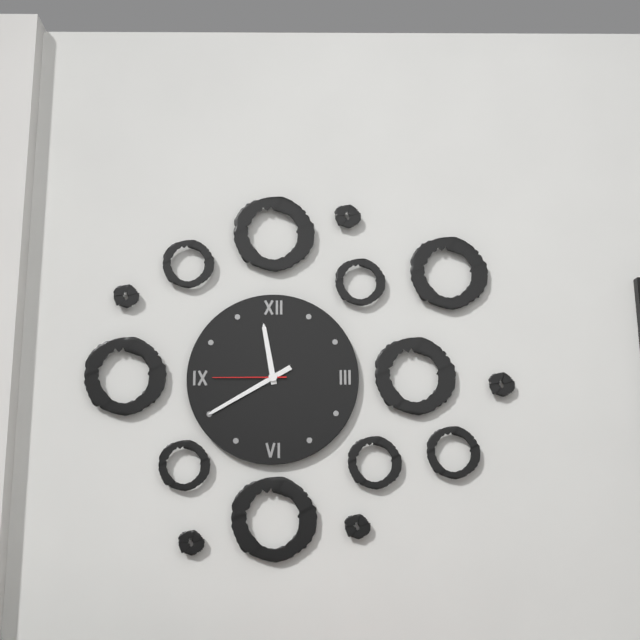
11:40:45
